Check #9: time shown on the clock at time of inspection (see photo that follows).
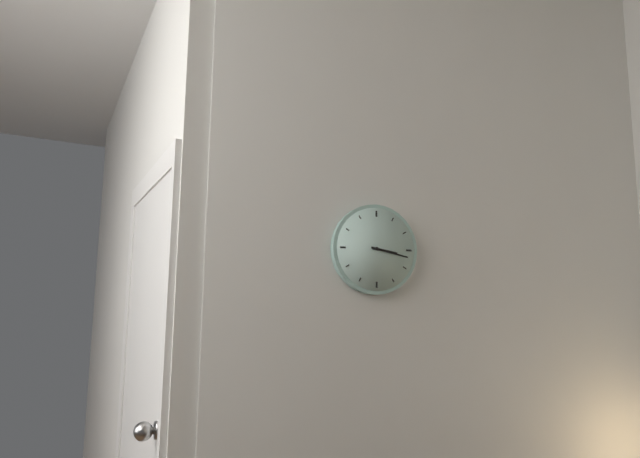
3:17
